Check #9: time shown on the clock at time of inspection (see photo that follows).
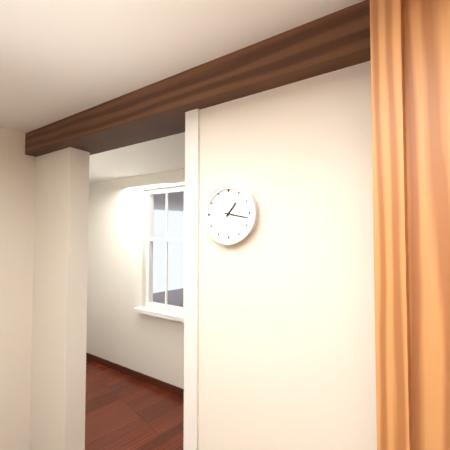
1:17
